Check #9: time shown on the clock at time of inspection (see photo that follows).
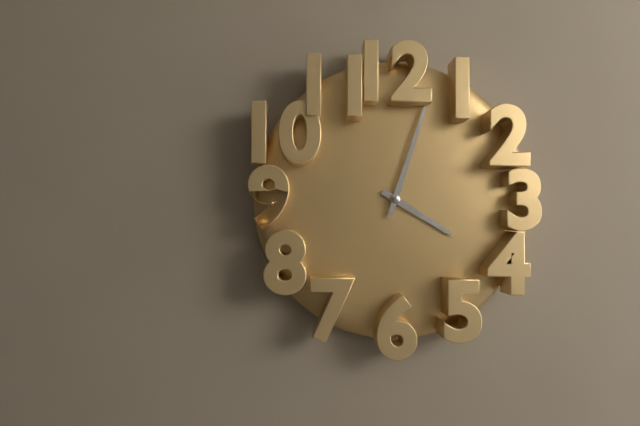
4:03
